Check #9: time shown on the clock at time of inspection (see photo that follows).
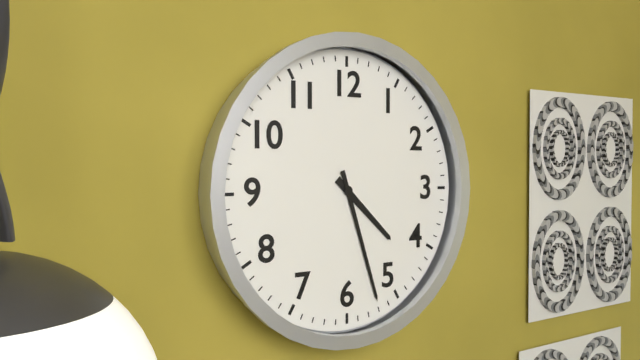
4:27
